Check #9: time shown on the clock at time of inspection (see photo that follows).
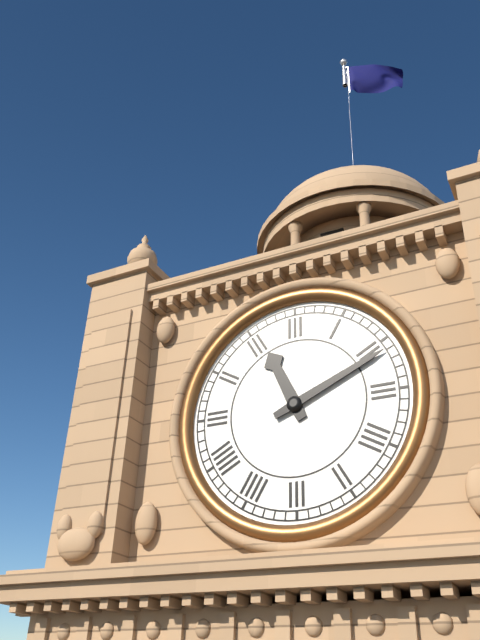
11:11
